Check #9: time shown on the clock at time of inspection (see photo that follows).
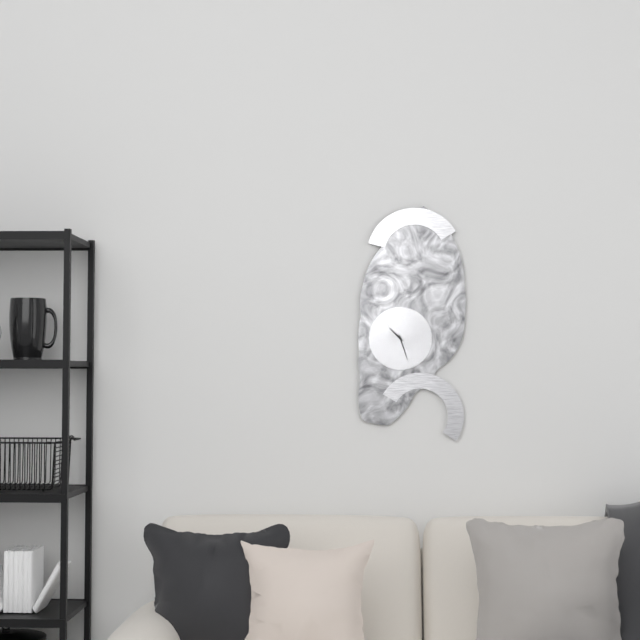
10:27
